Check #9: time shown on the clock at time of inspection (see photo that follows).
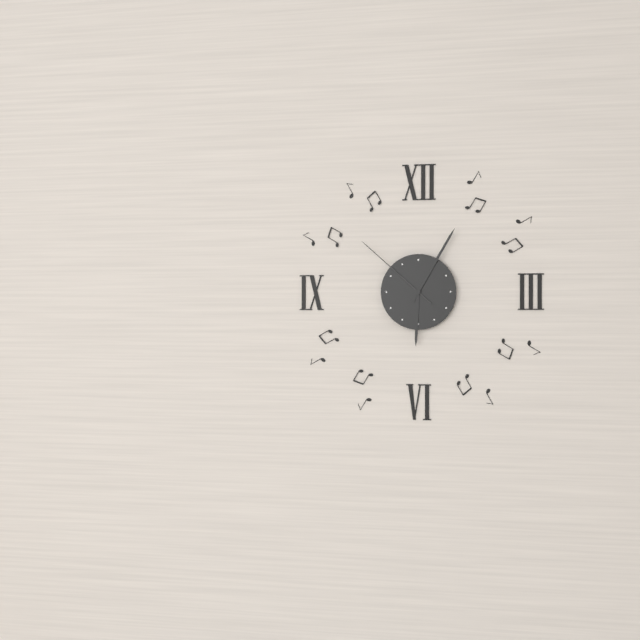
6:05:52
